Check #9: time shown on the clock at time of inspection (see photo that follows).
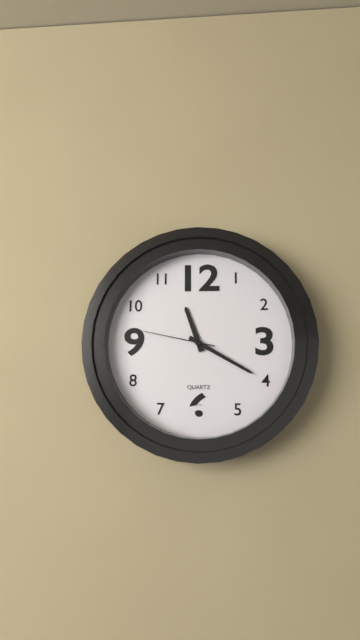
11:20:47
